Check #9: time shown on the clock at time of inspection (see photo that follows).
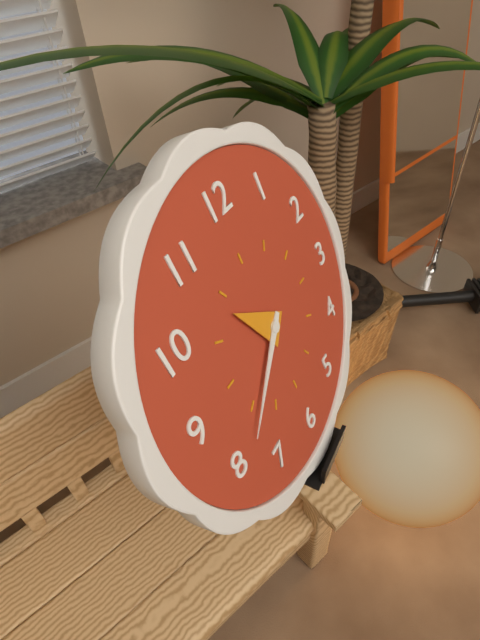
10:39
